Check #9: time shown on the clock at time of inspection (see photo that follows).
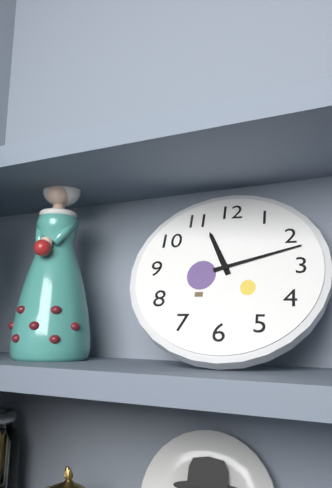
11:12
